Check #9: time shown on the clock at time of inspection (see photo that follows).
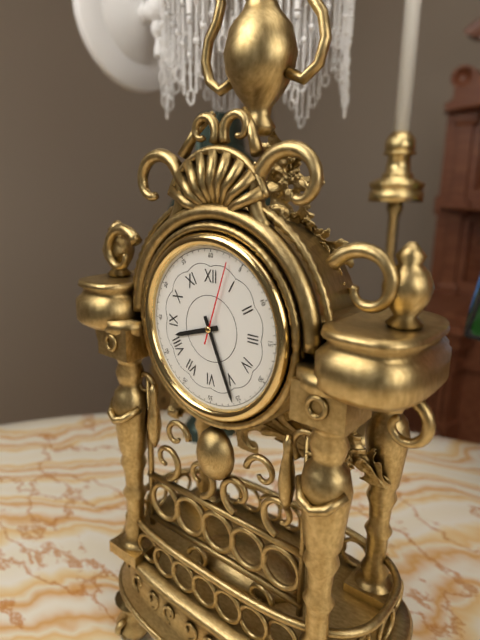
8:26:03
